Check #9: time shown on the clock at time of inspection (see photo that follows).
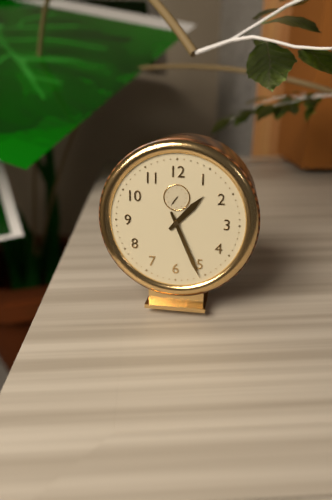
1:26
